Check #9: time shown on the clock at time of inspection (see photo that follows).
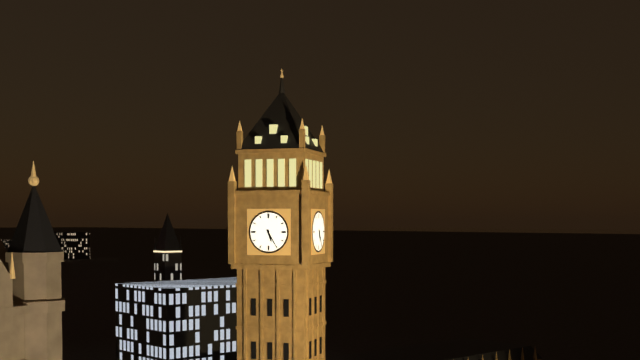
5:25
